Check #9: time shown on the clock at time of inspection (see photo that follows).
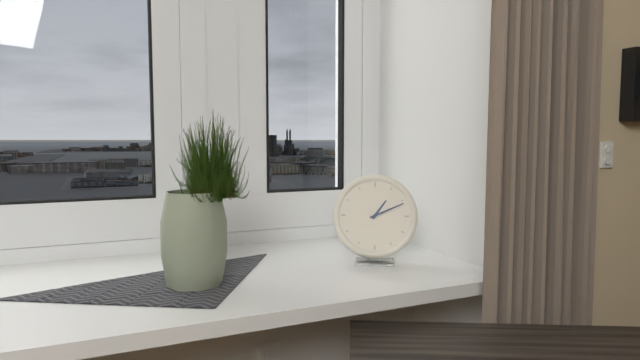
1:11
